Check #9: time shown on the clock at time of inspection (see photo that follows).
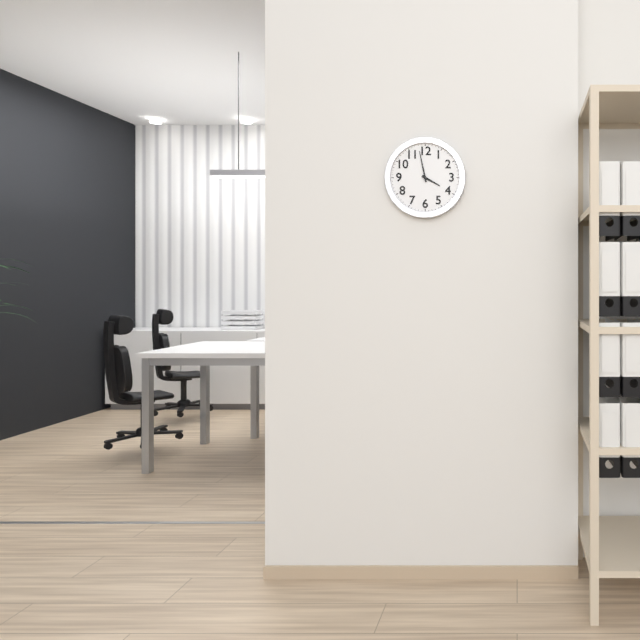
3:58
